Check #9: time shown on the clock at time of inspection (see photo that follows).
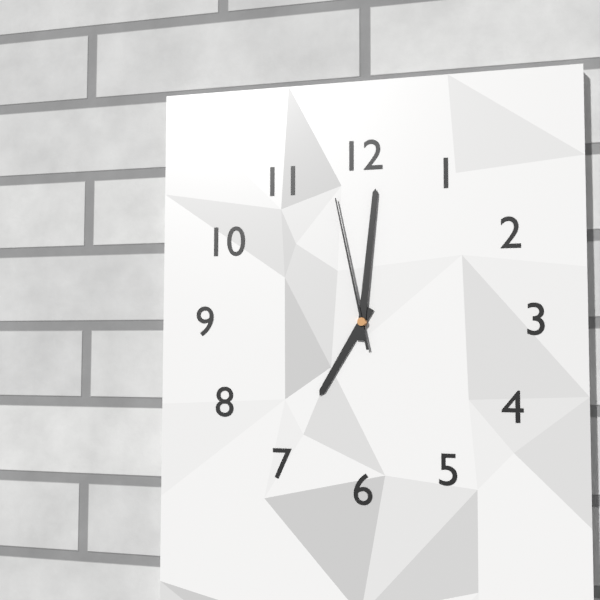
7:01:58
